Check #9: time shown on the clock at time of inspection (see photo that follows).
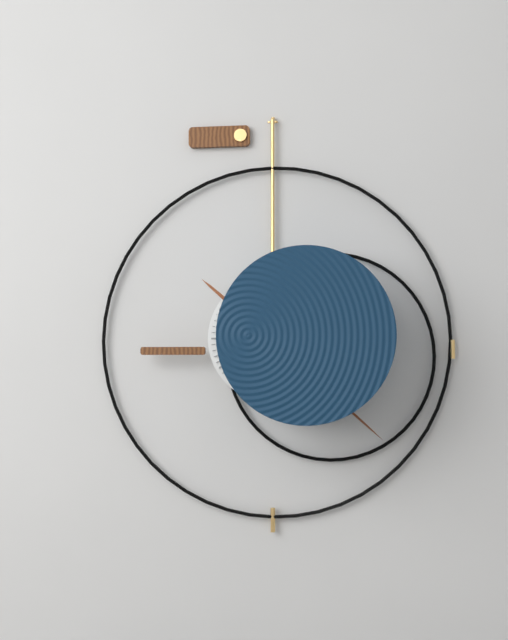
10:22
